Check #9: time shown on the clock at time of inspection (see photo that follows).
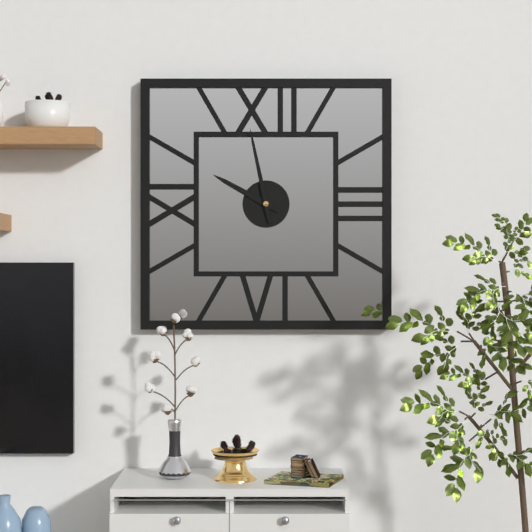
9:58
